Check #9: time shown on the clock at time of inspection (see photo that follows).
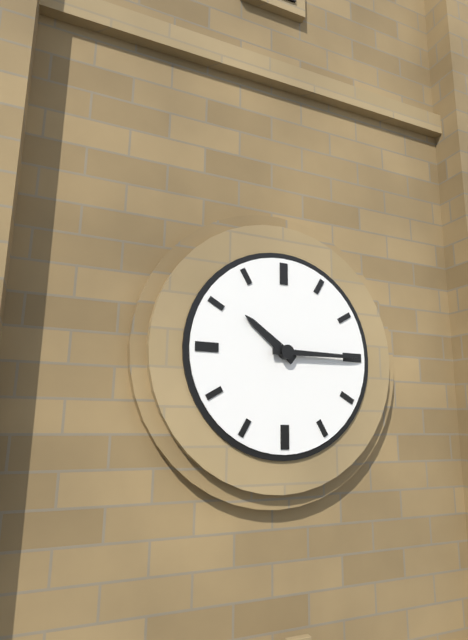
10:15
